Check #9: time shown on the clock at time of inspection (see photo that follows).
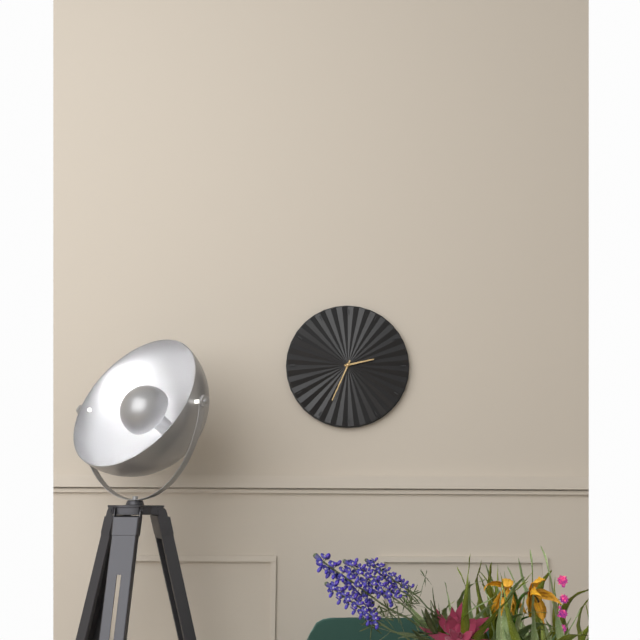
2:34
